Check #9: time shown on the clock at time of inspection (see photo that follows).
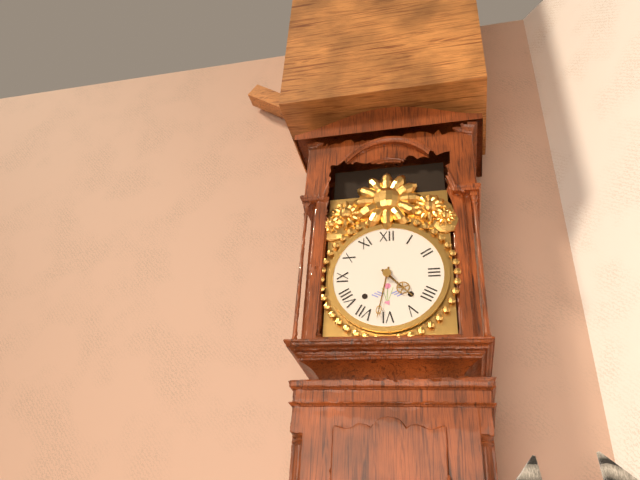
4:32
